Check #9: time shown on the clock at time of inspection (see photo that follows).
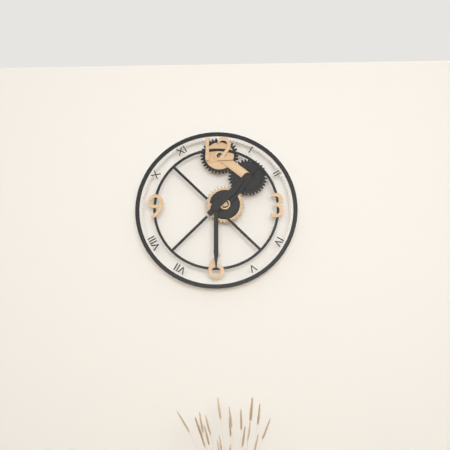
1:30
